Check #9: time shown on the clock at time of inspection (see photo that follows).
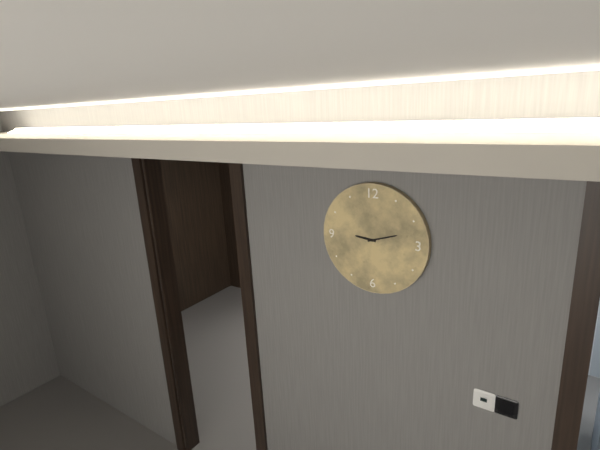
9:12
